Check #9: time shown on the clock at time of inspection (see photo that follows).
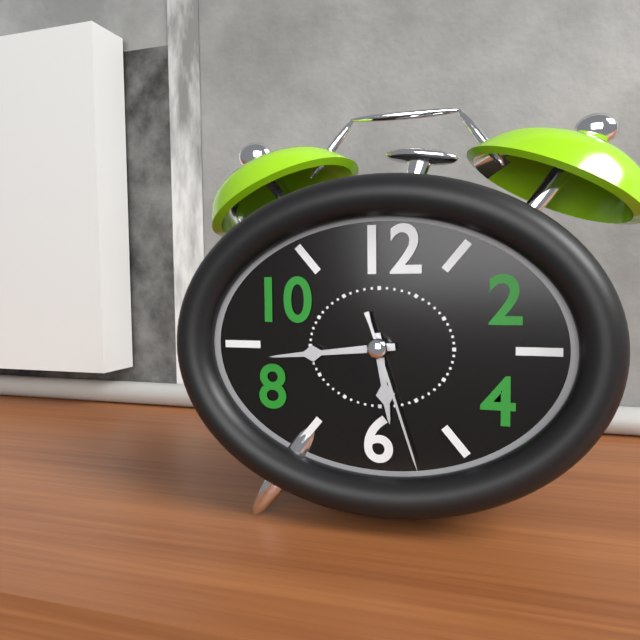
5:44:27
